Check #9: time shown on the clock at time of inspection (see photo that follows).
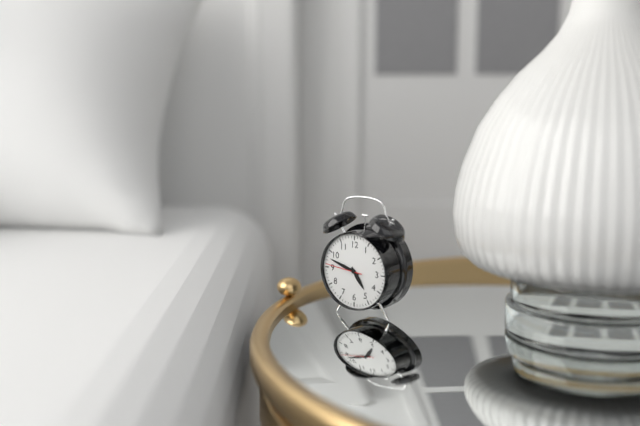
4:48
